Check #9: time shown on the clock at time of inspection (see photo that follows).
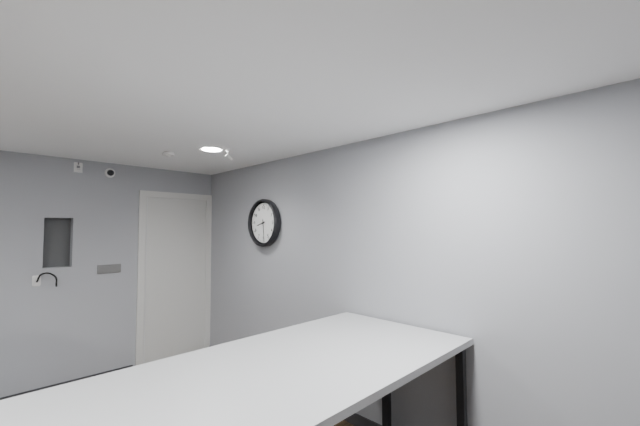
8:29
